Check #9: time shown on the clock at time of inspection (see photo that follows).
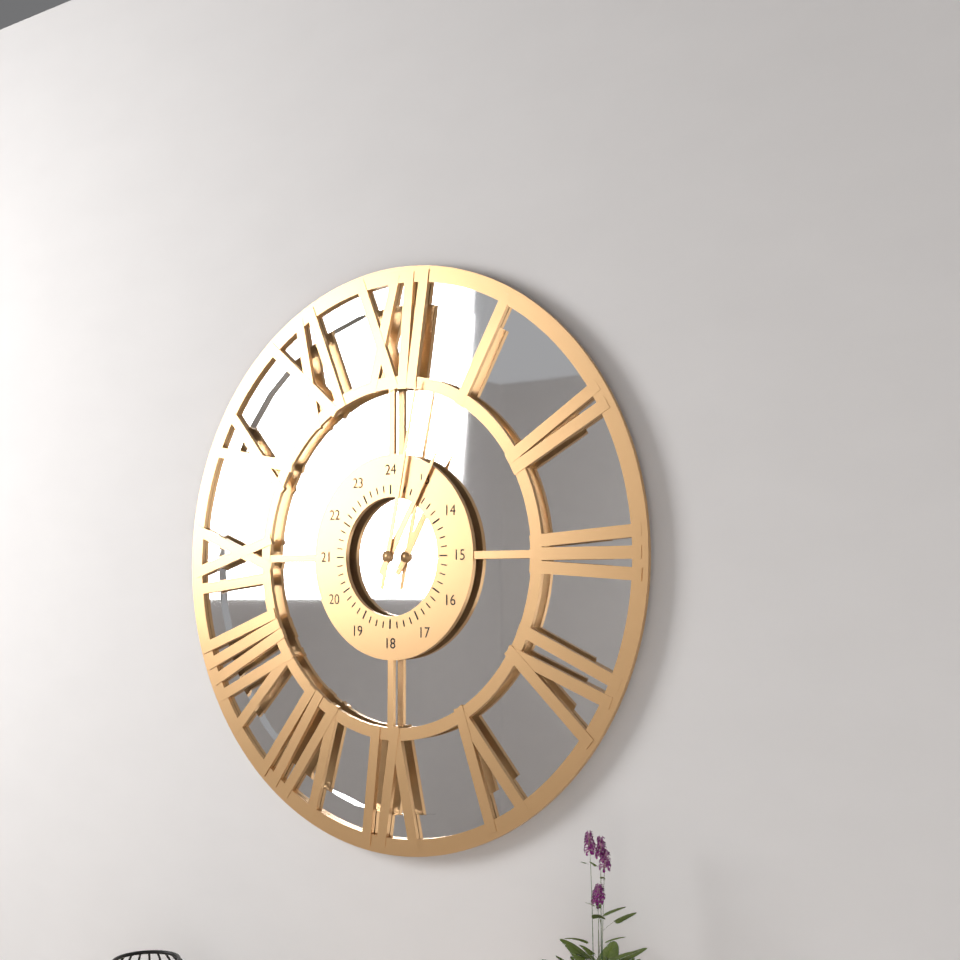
1:02
